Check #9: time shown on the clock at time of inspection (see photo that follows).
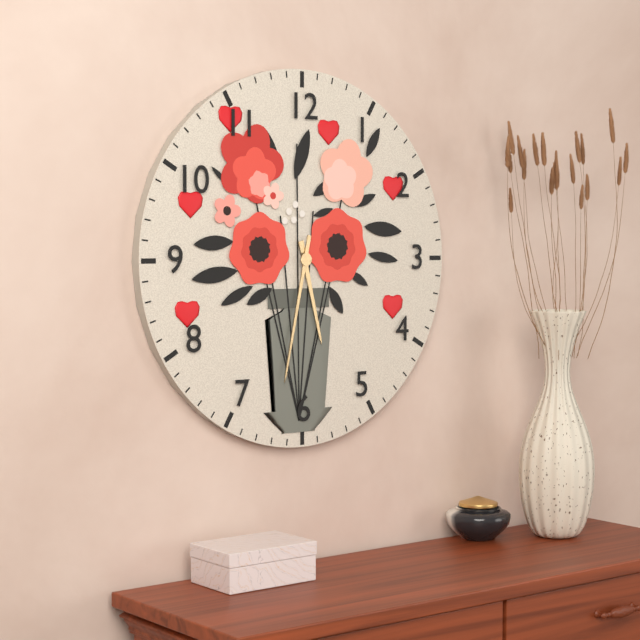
5:32
